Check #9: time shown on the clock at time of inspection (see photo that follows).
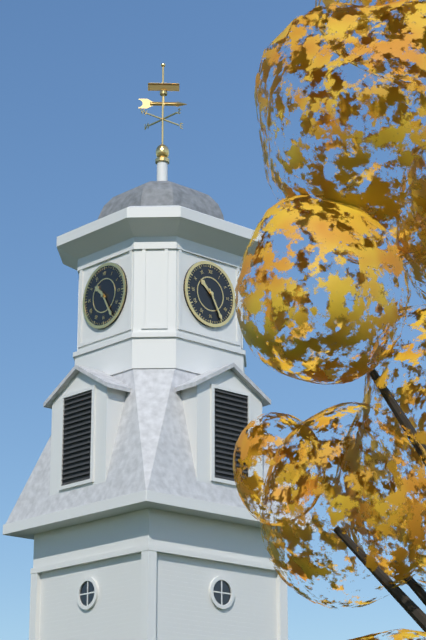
10:25
